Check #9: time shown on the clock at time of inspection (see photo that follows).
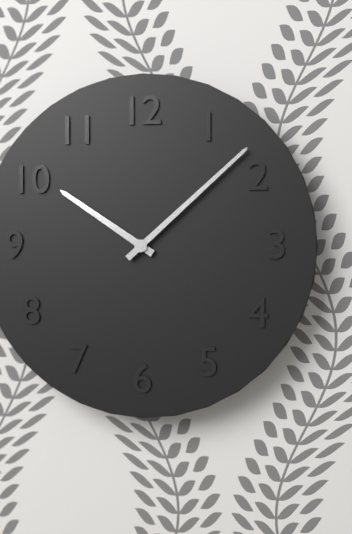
10:08
